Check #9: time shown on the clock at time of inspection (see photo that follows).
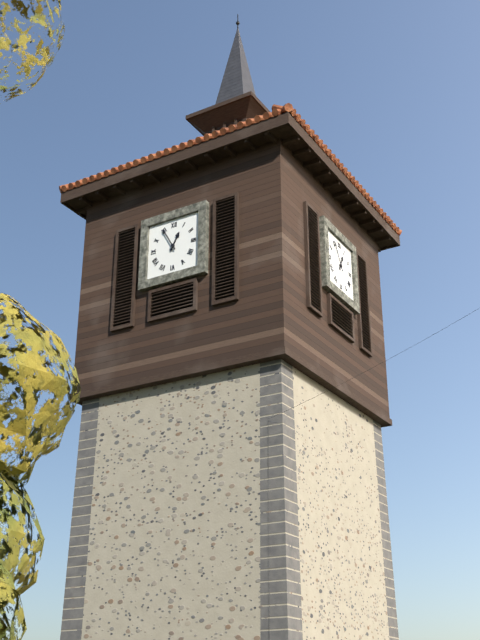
12:55
